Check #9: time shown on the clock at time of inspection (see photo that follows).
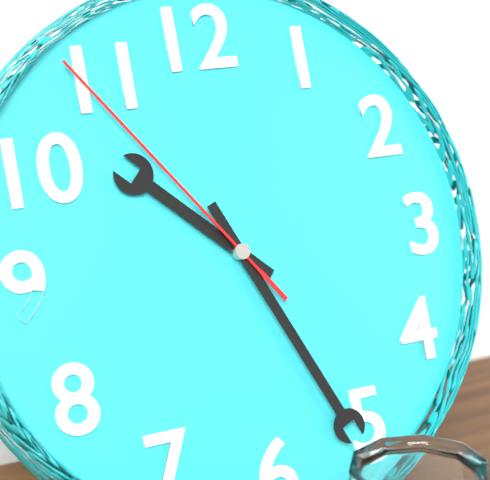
10:26:54
